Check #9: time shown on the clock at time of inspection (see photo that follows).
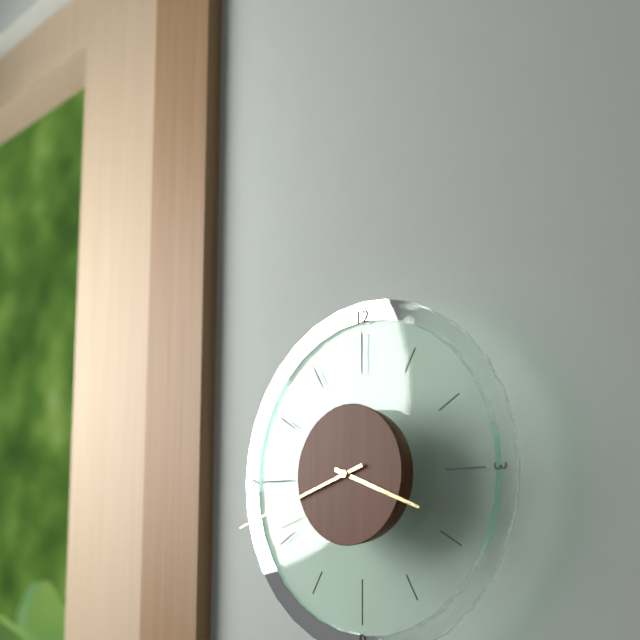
3:42
